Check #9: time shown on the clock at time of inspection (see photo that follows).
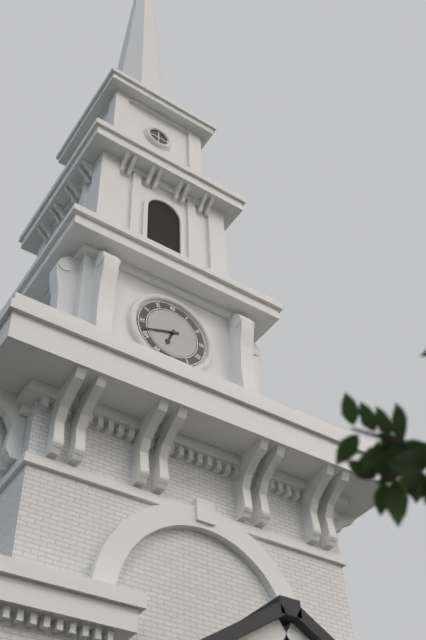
6:42
